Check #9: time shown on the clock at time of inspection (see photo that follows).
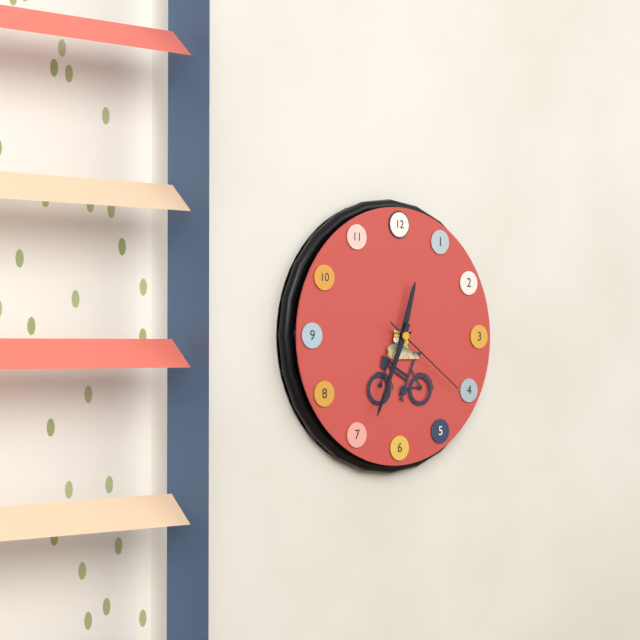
12:34:21
